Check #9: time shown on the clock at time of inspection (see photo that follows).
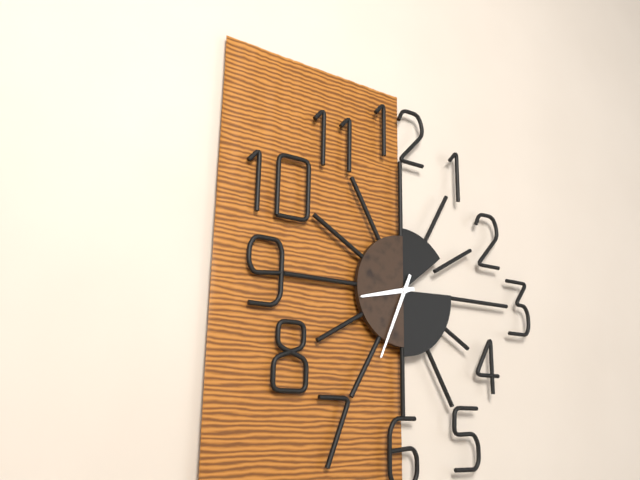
8:34
